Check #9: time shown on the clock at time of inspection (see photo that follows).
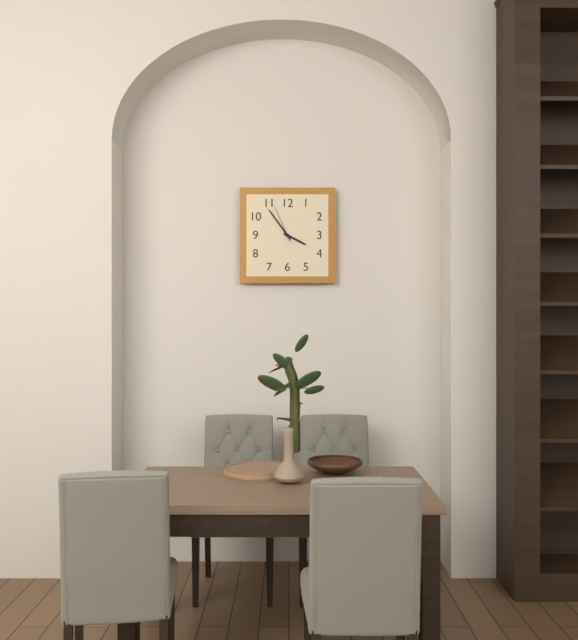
3:54
